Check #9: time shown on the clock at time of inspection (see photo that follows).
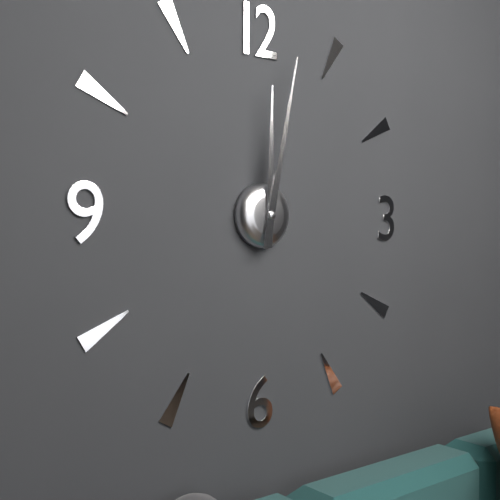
12:02
